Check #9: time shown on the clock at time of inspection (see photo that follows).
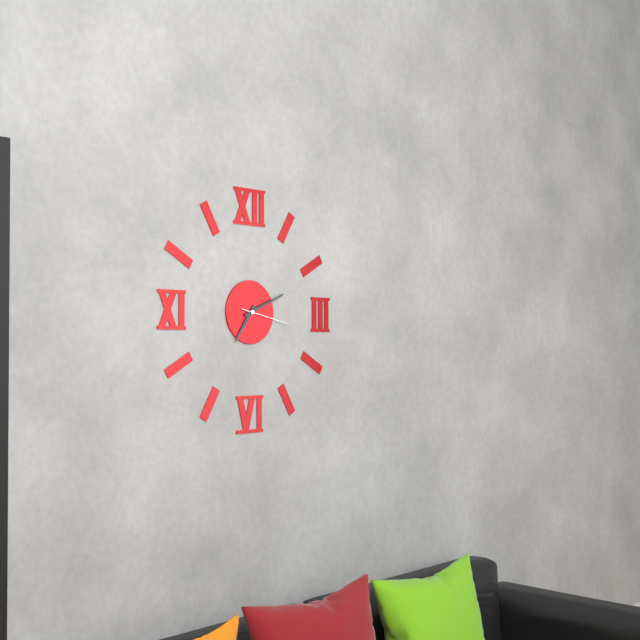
7:11:17
